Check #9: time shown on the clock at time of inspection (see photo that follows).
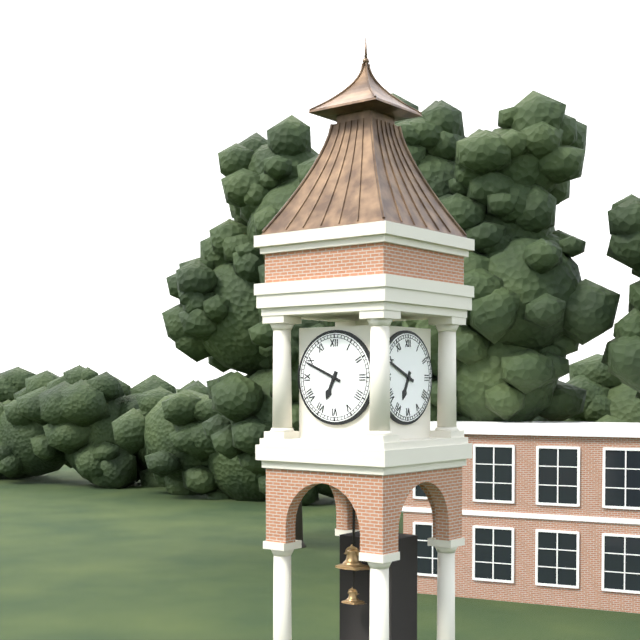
6:49
